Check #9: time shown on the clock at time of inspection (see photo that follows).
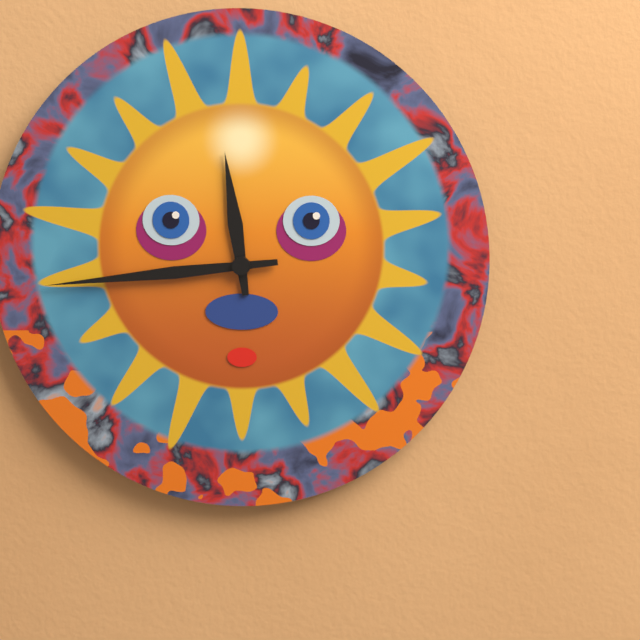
11:44
